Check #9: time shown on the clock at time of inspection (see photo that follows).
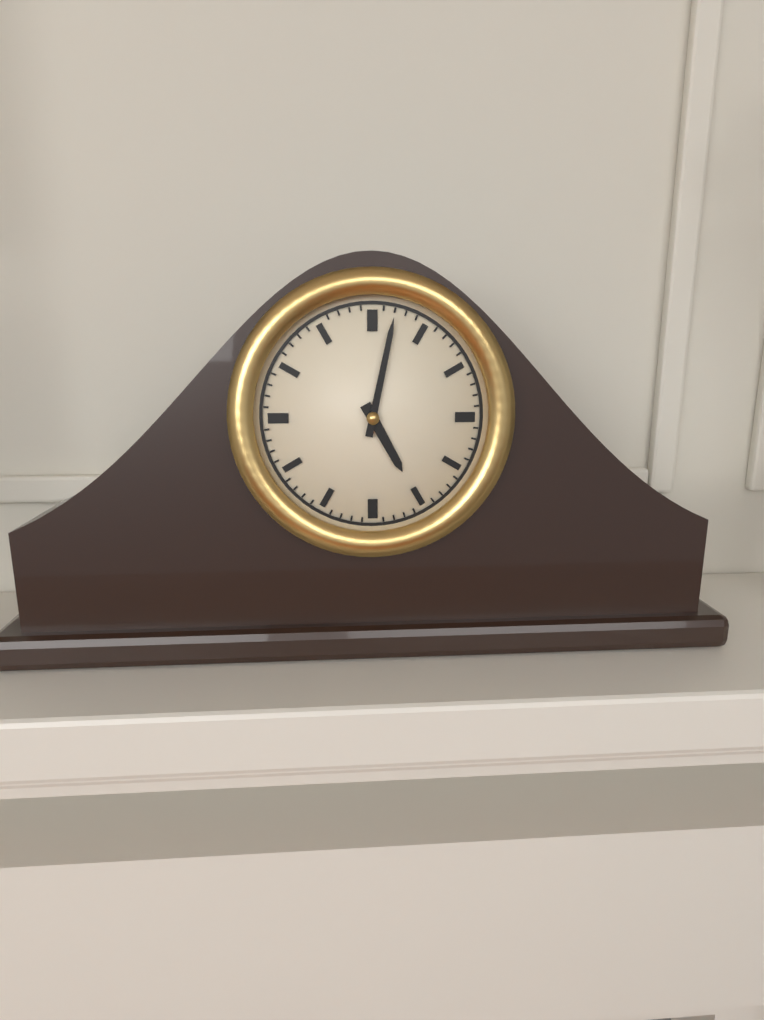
5:02
